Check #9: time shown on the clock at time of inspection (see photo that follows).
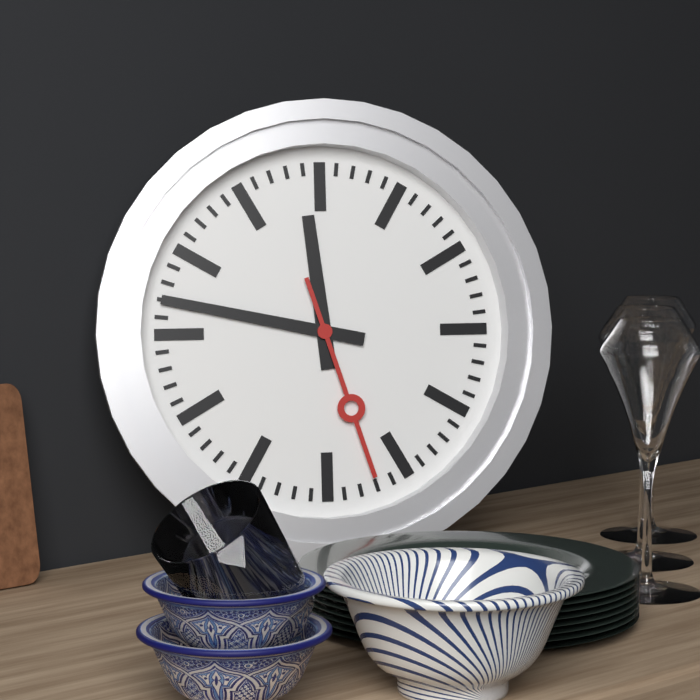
11:47:27
